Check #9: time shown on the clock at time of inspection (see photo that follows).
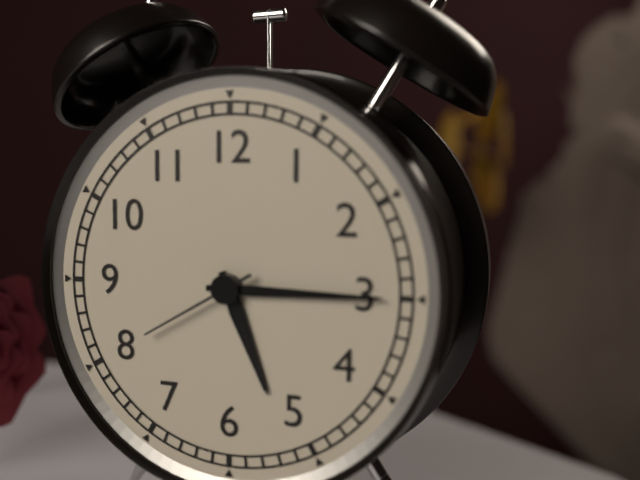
5:15:40
